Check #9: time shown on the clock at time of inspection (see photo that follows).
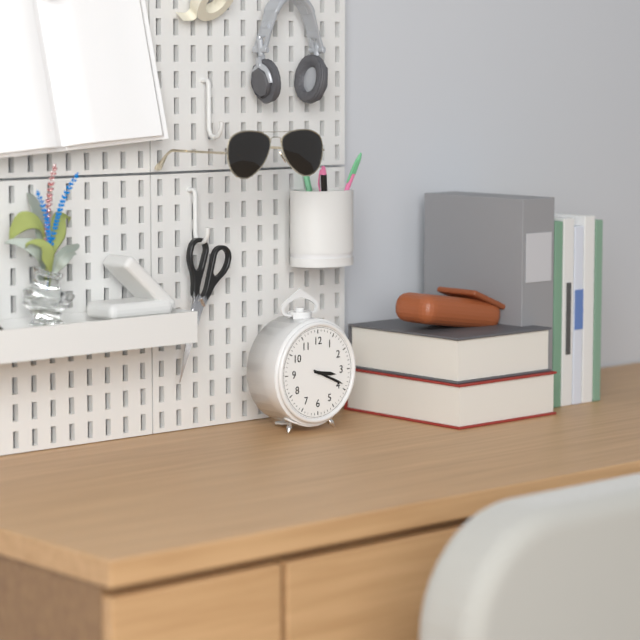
3:19
